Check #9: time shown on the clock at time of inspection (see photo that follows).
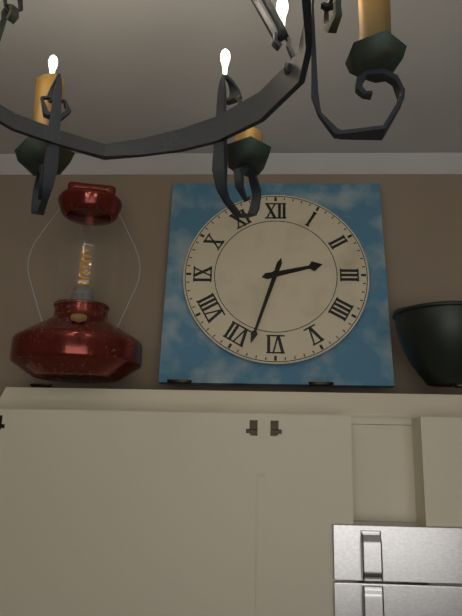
2:33
